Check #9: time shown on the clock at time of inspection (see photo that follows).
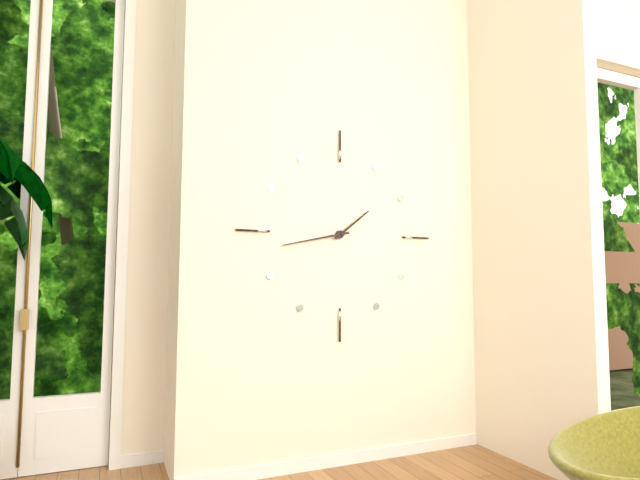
1:43
